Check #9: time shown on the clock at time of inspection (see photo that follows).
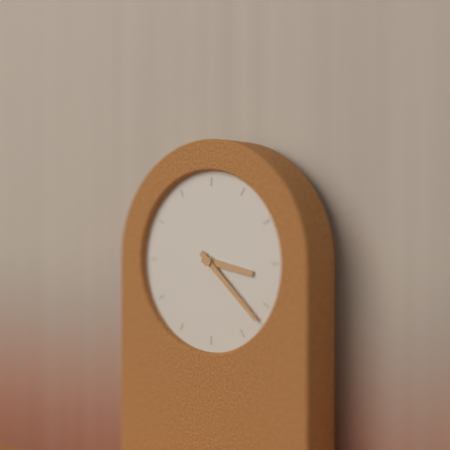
3:22
